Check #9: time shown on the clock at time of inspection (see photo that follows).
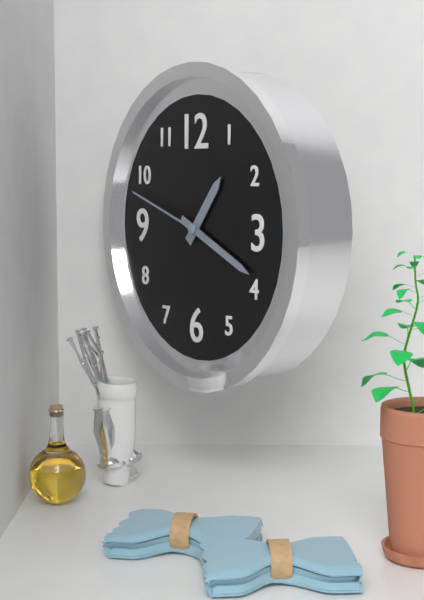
1:19:48
